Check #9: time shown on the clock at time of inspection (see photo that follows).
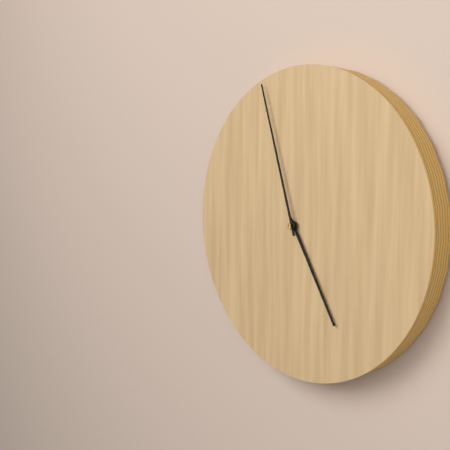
4:57
